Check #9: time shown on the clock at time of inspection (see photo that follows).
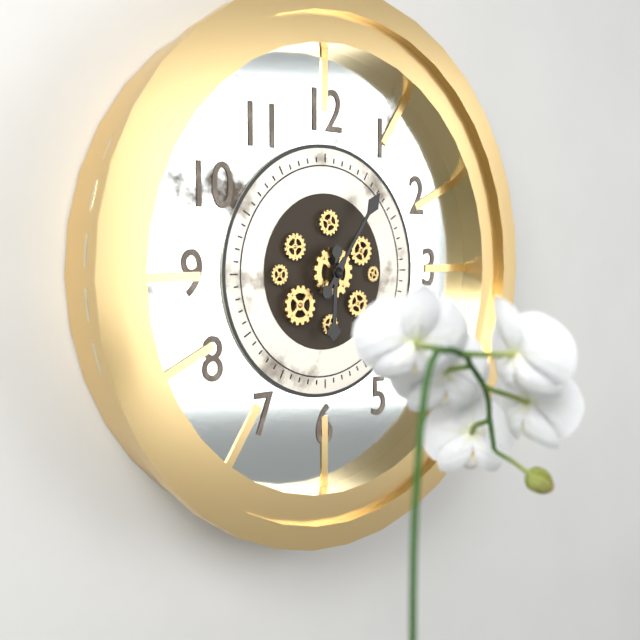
6:06
